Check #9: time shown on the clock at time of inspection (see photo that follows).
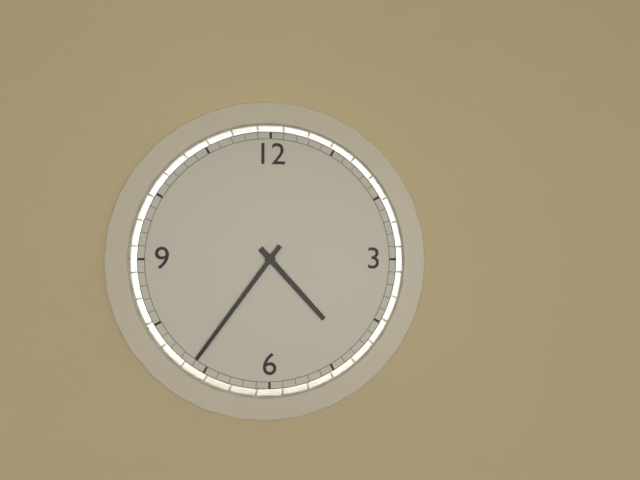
4:36
